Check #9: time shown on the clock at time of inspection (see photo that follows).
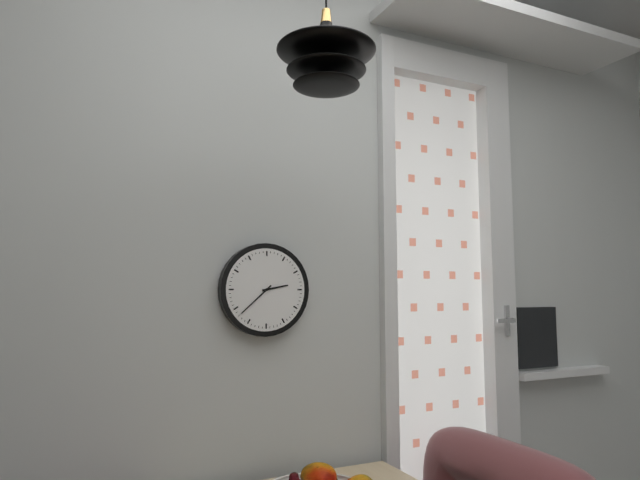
2:38
